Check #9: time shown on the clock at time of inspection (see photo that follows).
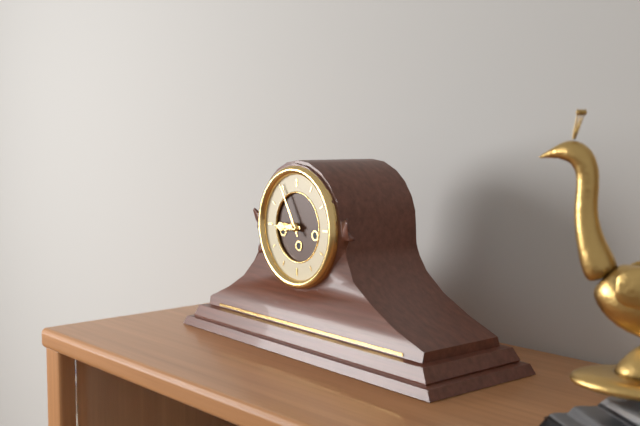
8:55
